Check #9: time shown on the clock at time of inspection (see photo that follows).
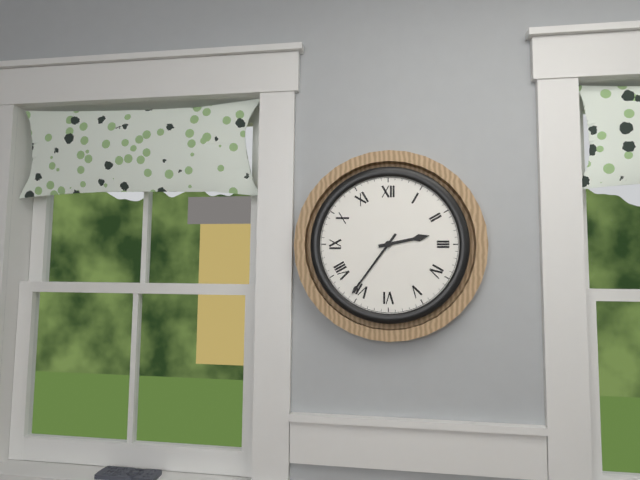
2:36
